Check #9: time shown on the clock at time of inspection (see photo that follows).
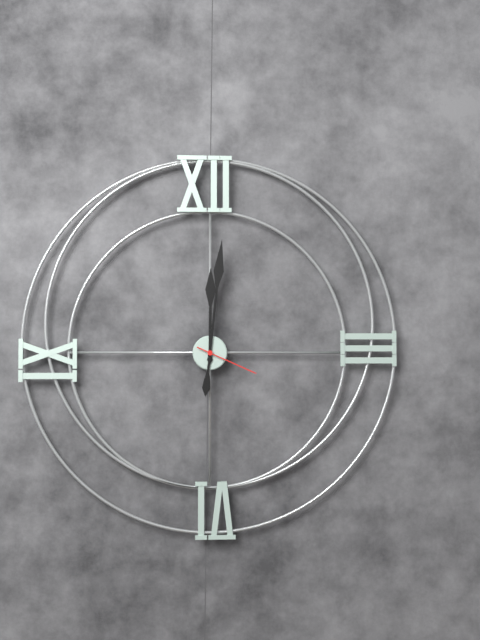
12:01:19
